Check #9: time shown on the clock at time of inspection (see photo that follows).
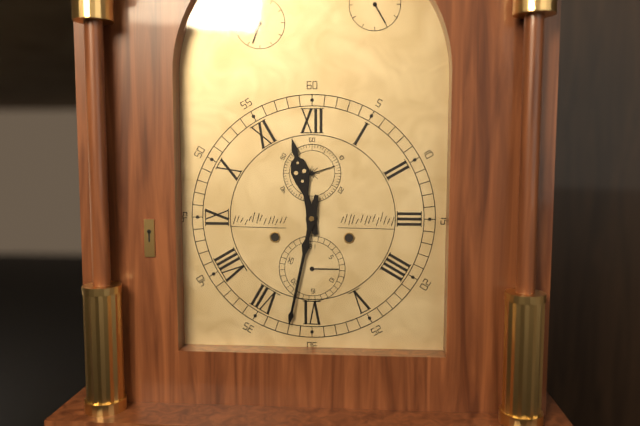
11:32
